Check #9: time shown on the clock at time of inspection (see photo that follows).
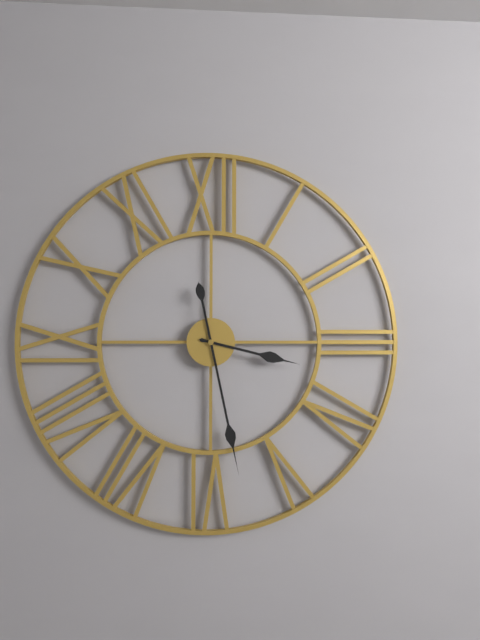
3:28
